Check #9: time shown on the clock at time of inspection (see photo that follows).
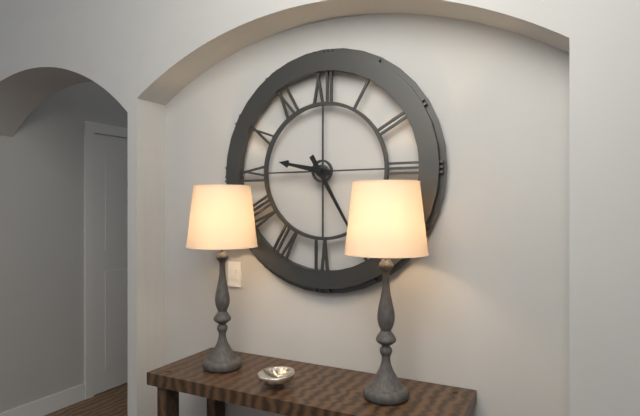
9:25
